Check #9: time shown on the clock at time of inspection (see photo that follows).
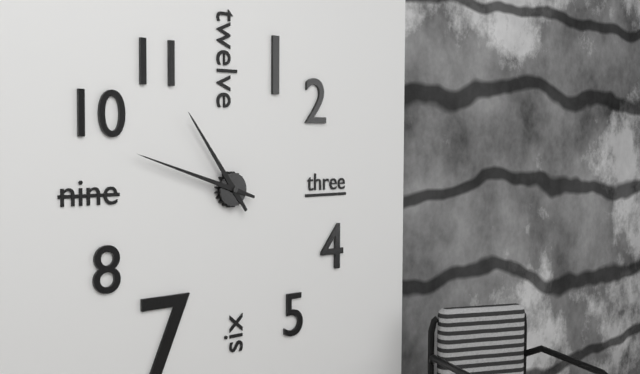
10:48
